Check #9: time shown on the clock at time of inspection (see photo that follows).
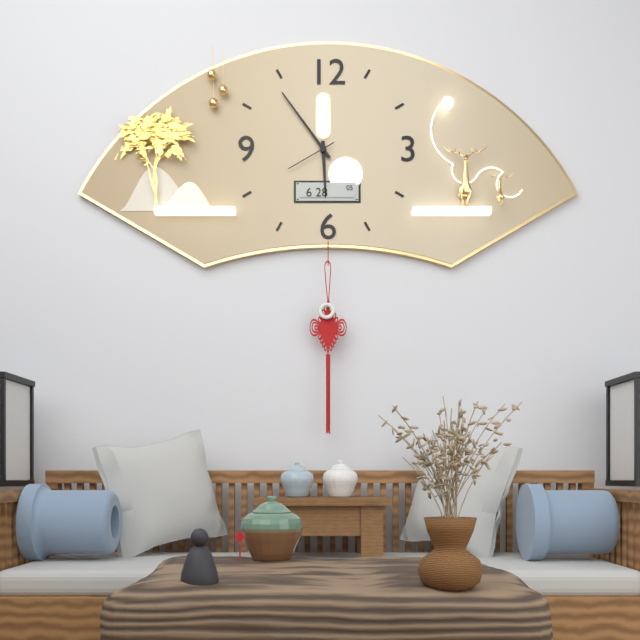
5:54:40
